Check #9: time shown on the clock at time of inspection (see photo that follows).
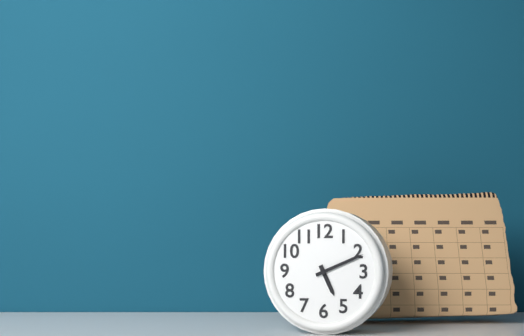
5:11
